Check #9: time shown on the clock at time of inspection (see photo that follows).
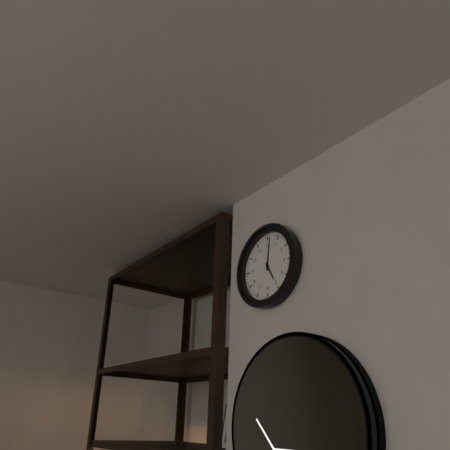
5:01
